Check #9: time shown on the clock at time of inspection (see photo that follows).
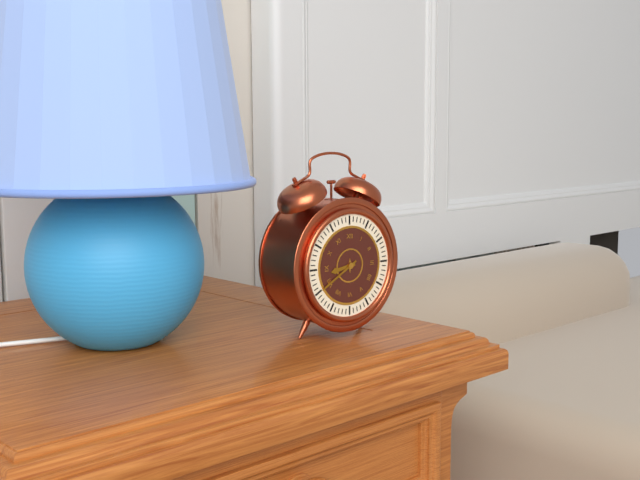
8:40
